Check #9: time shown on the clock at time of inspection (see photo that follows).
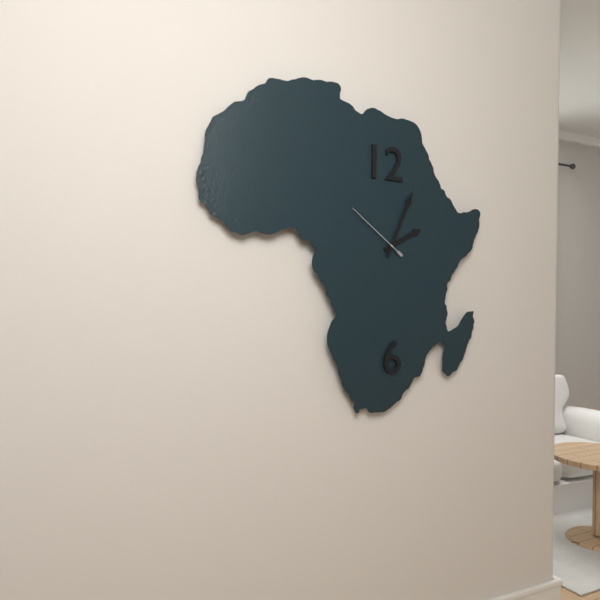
2:04:51
